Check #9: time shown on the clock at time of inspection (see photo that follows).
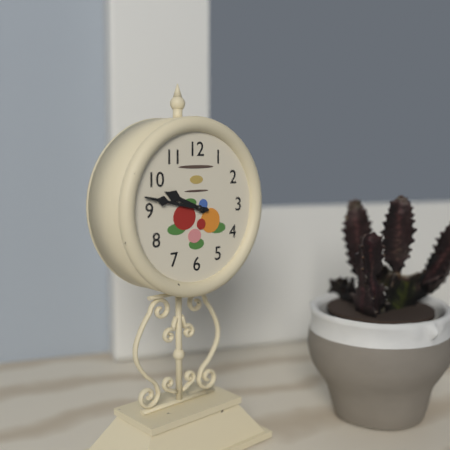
9:47
